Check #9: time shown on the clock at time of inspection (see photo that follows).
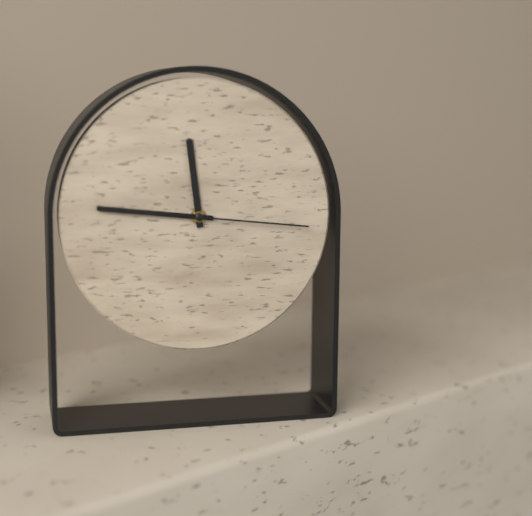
11:46:16
